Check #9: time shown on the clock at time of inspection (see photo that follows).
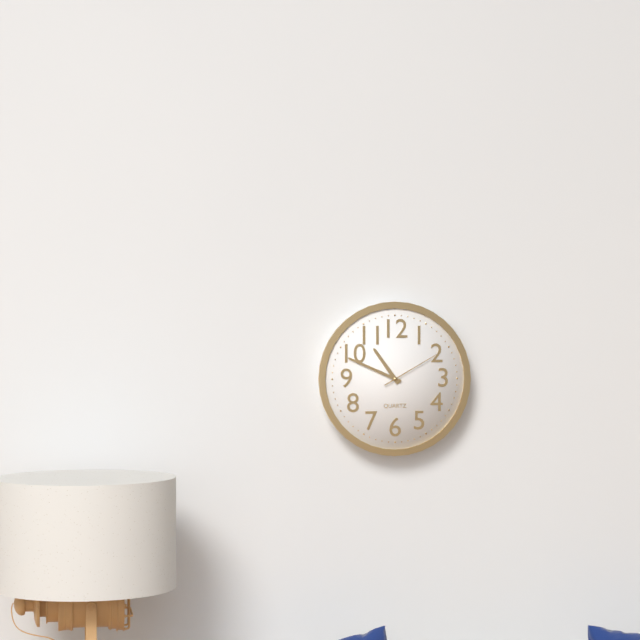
10:49:10
